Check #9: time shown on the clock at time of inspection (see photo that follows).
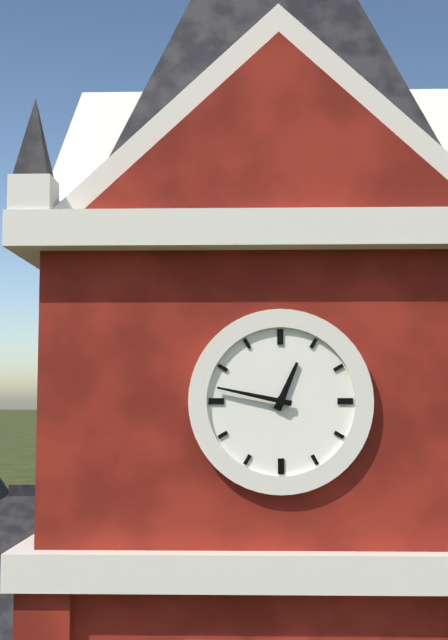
12:47
